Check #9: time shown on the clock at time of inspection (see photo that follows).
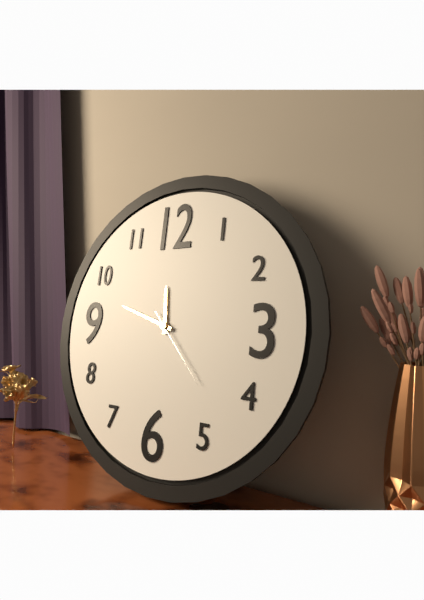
11:48:23
